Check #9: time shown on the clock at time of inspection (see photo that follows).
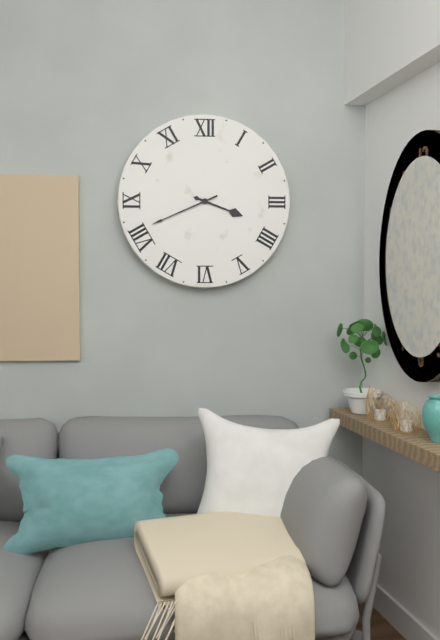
3:41
